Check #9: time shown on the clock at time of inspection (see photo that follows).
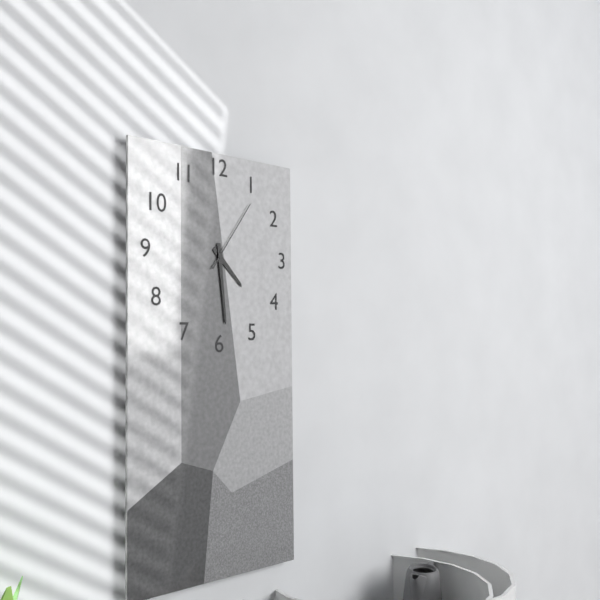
4:29:06
